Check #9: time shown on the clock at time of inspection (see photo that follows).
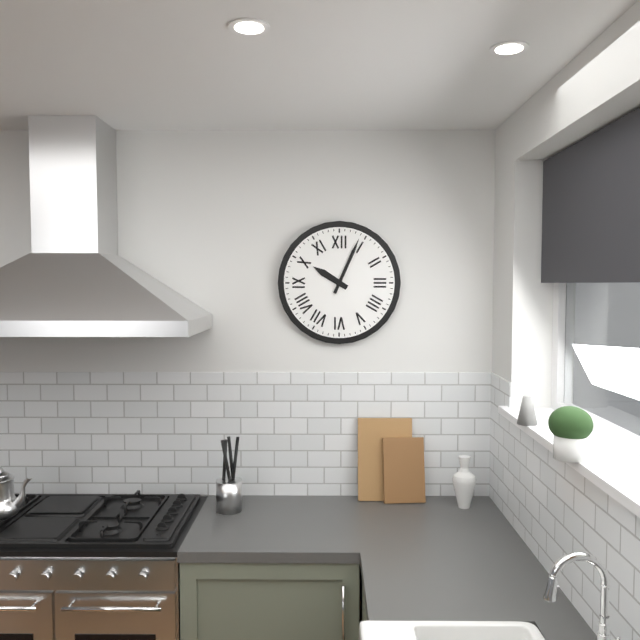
10:04
